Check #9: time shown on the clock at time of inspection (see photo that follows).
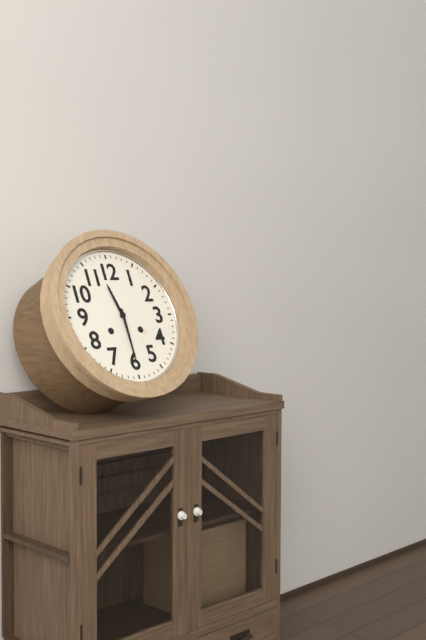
11:30
